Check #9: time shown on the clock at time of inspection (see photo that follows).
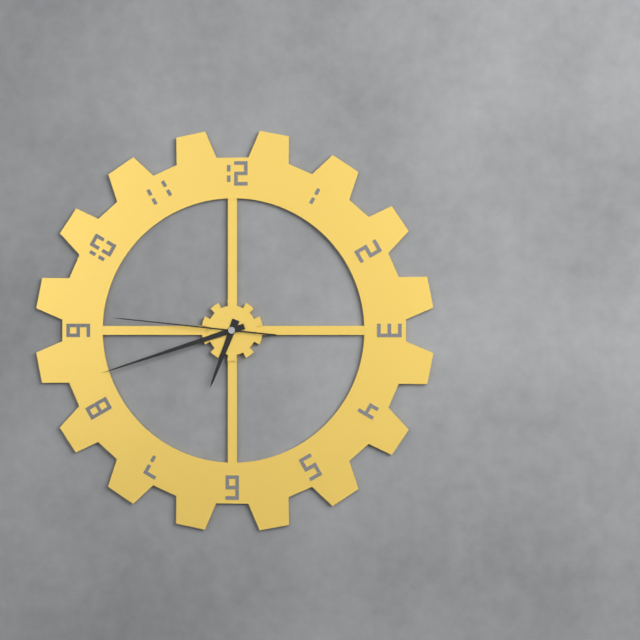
6:42:46
